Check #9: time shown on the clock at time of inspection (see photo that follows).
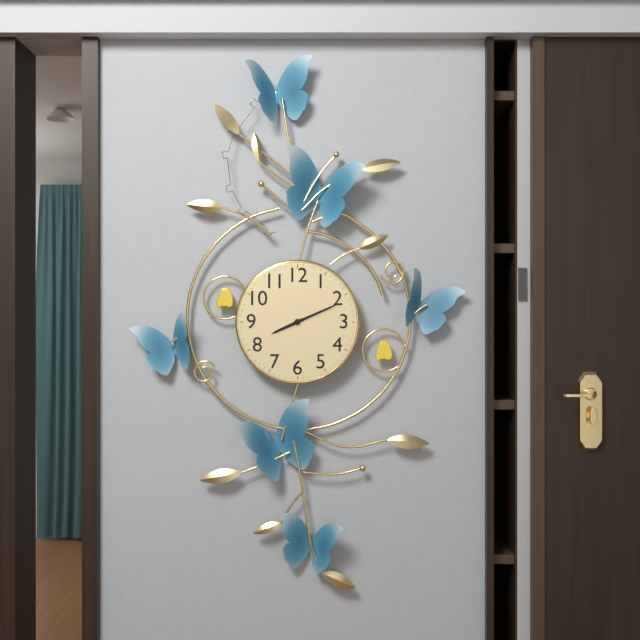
8:11
